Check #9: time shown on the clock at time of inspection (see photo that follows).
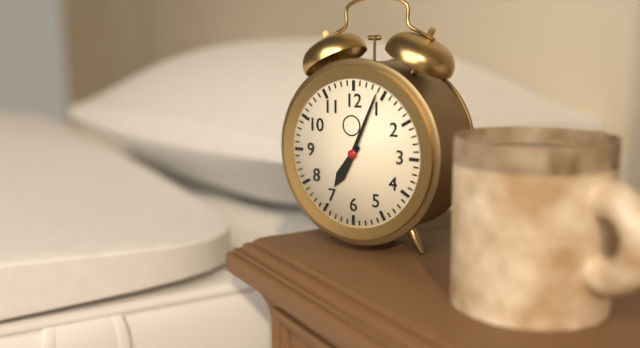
7:04
